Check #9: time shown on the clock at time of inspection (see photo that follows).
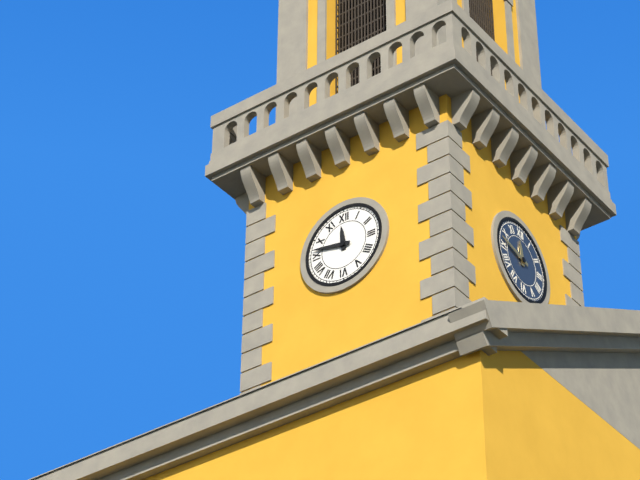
11:47
